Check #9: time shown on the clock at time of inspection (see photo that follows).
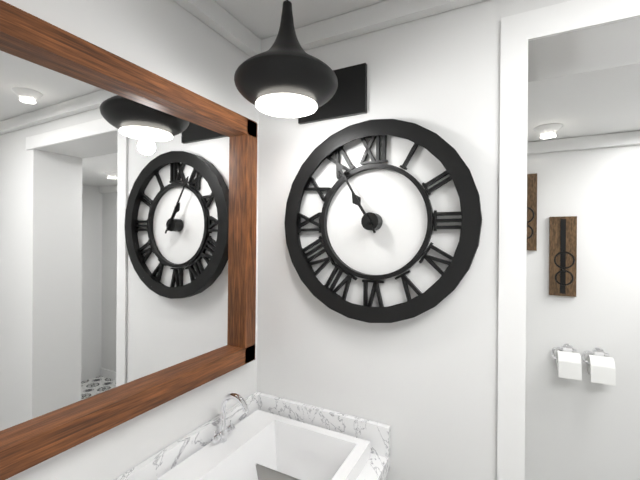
10:55
